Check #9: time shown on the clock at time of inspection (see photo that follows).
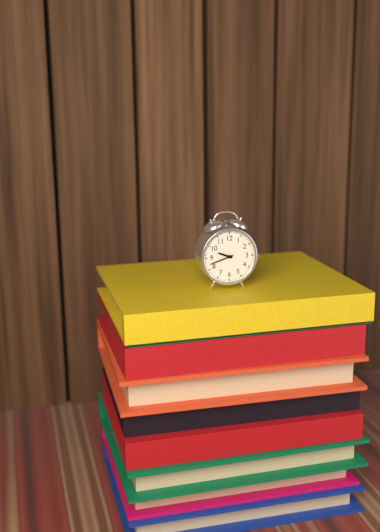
9:42
